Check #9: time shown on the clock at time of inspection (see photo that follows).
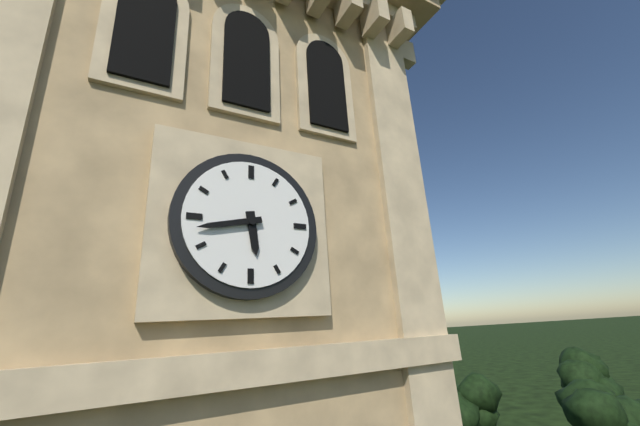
5:43
